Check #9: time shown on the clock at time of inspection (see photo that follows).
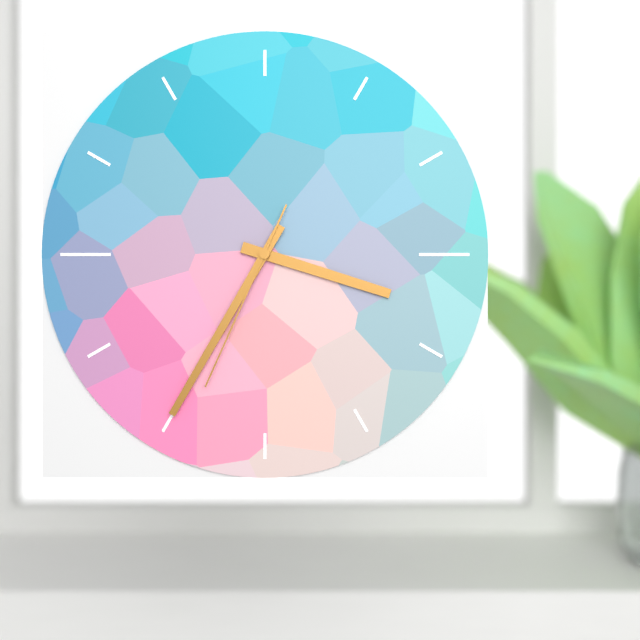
3:35:34
